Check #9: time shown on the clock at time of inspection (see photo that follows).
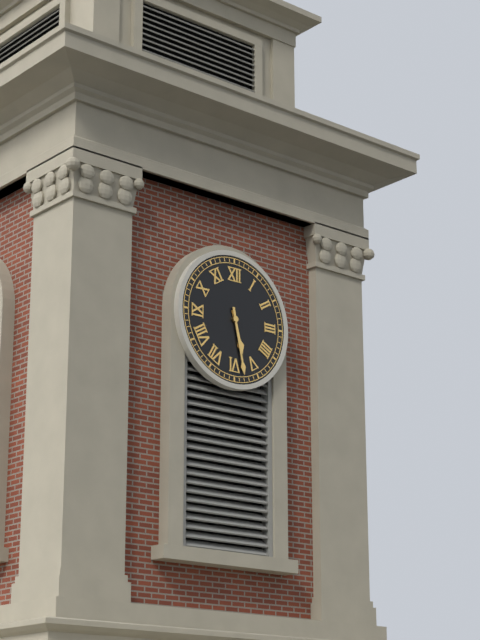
5:28
